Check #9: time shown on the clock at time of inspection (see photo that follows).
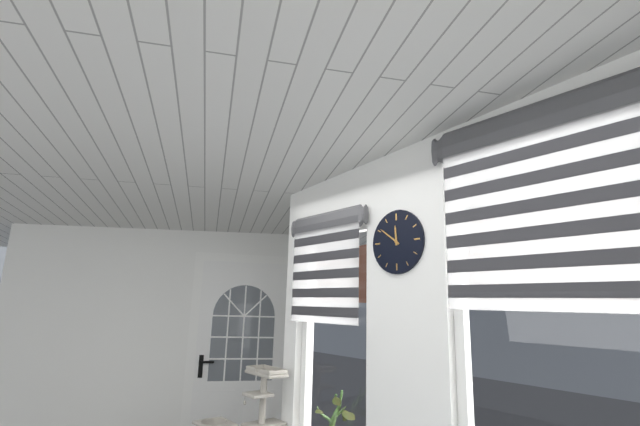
11:51
